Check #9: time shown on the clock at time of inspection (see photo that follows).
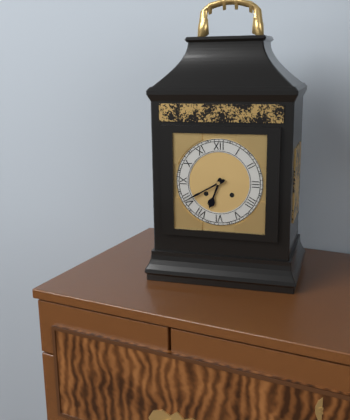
6:40
